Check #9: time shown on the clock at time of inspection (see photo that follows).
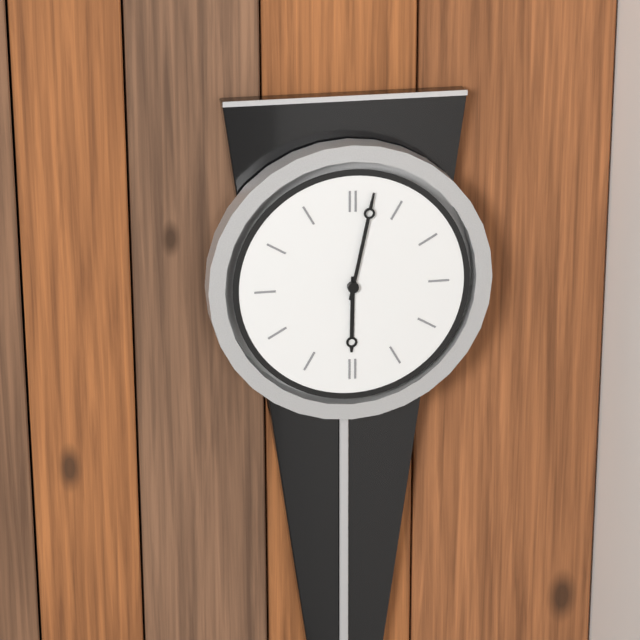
6:02
